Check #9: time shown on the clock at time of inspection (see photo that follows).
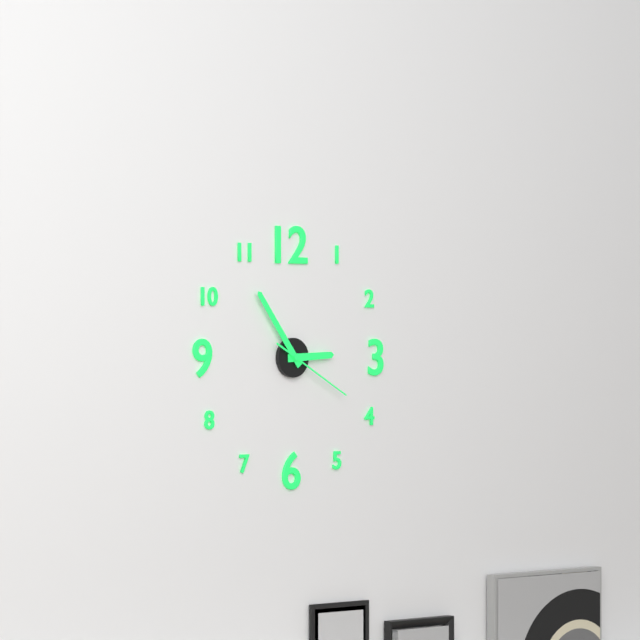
2:54:20
